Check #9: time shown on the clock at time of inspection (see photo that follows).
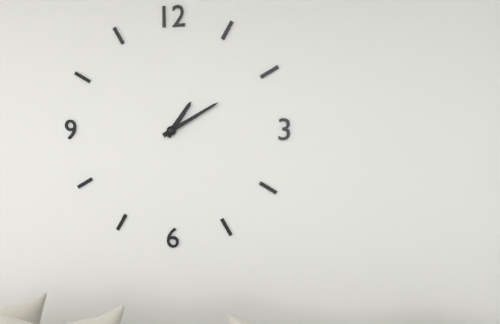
1:10
